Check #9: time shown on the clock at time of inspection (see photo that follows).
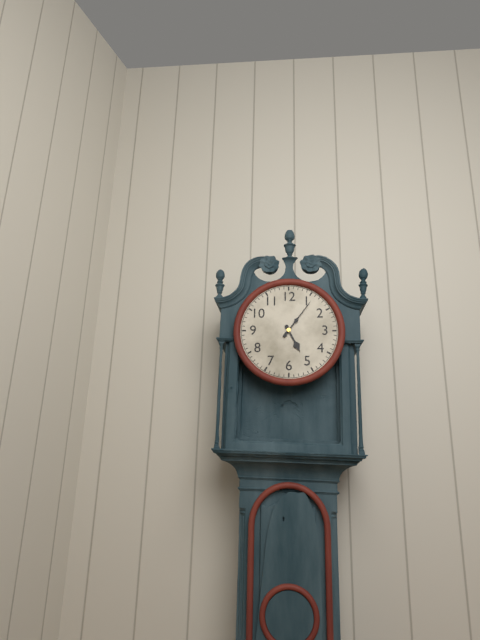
5:06
